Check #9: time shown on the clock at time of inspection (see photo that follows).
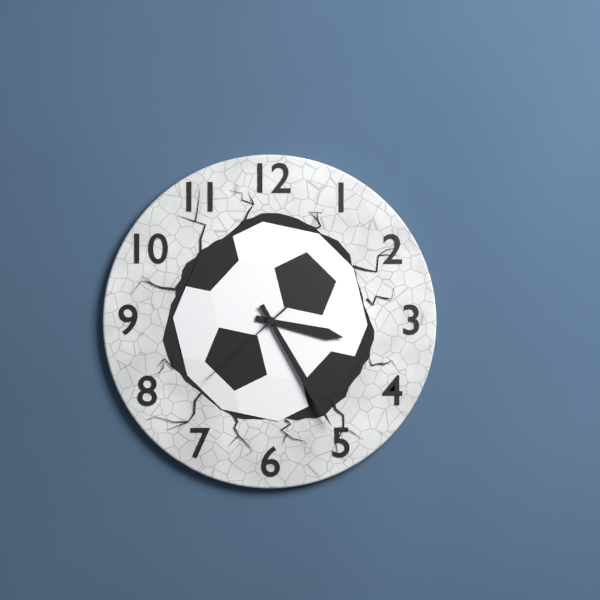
3:25:38
